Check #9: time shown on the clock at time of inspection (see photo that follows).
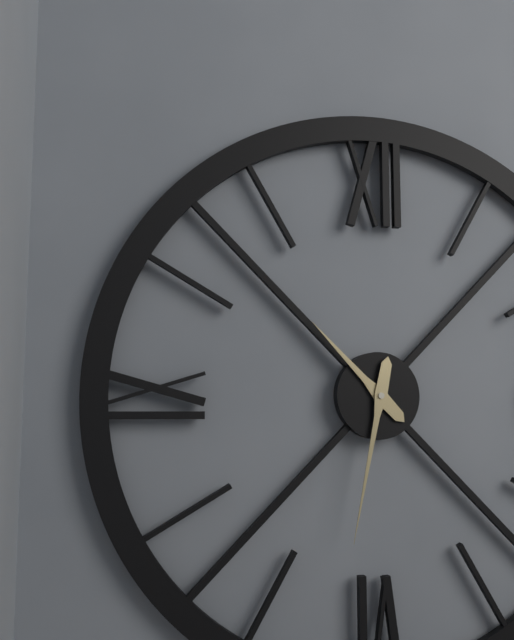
10:32
